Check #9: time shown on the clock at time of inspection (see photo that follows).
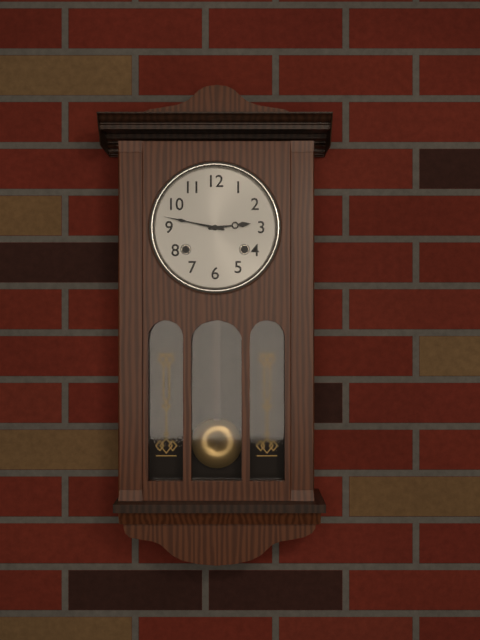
2:47
